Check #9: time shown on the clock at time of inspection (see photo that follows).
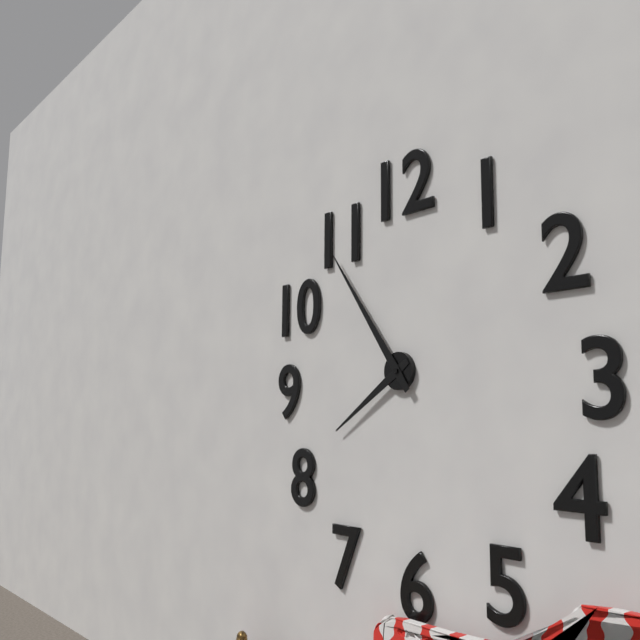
7:54
